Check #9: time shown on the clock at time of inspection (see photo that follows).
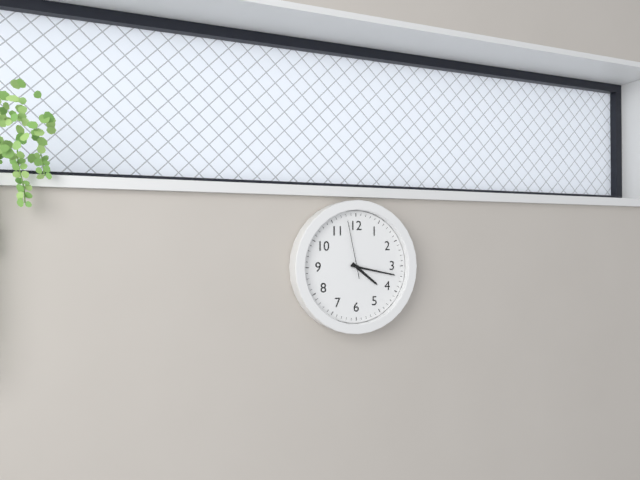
4:17:58
